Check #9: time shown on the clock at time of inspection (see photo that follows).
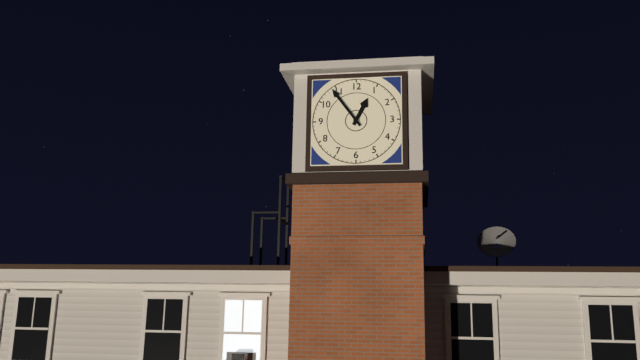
12:54
